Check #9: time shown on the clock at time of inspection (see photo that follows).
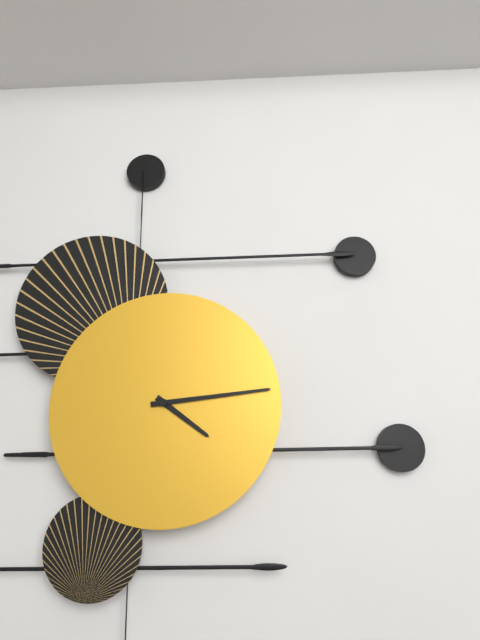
4:14
